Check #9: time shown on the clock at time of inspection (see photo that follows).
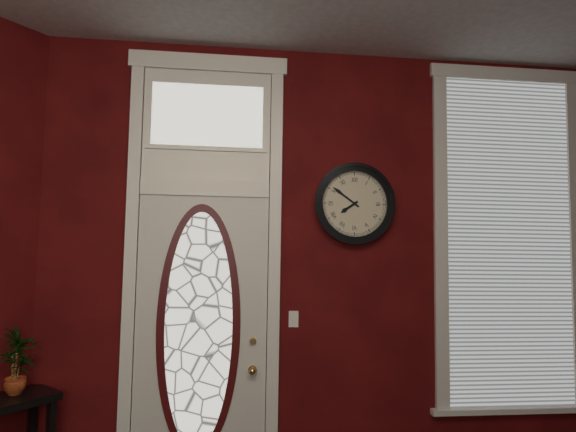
7:51
